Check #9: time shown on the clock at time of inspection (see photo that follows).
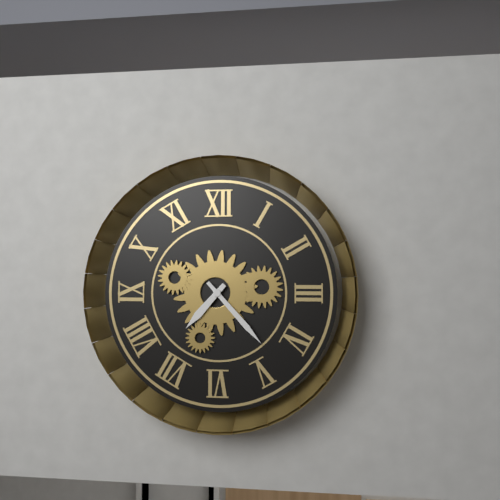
7:23
